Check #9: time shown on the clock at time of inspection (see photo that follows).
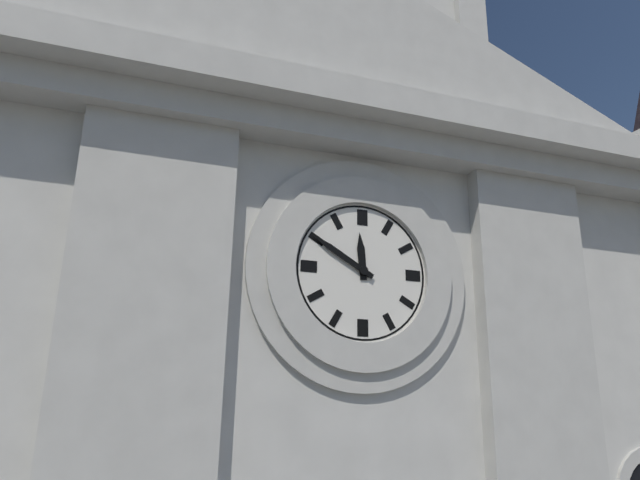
11:50
